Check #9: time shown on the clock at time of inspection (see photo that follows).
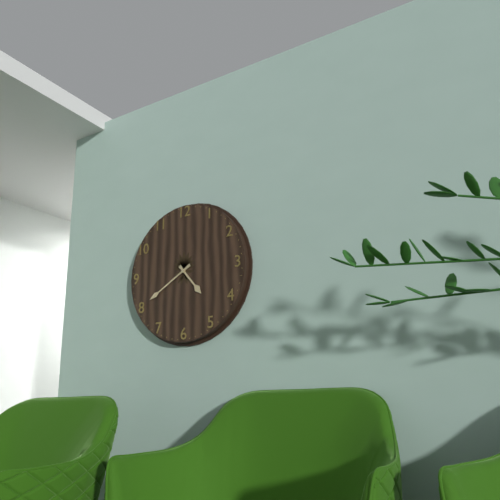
4:40
